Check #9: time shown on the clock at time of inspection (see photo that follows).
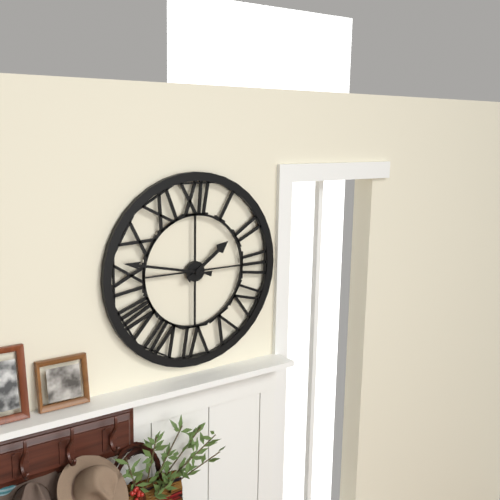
1:47
